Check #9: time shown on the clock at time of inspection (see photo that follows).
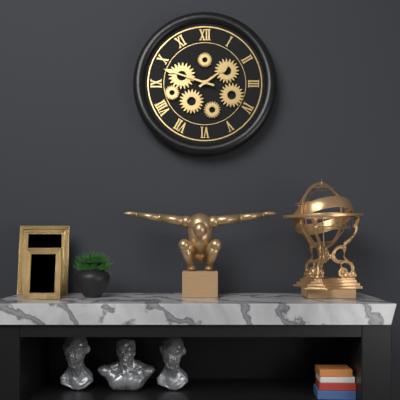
1:48
